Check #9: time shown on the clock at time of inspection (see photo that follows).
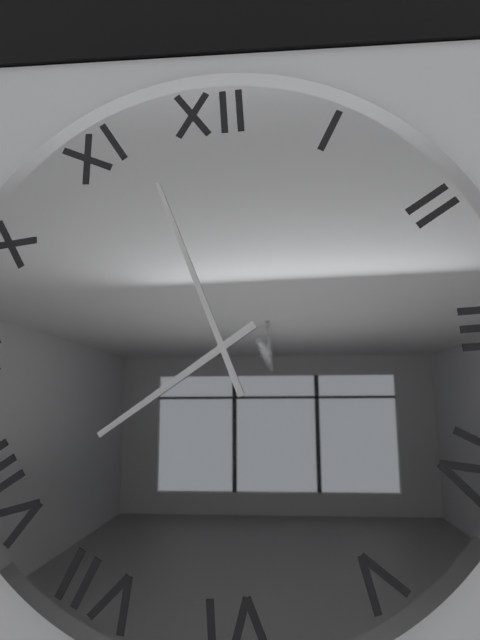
7:57
